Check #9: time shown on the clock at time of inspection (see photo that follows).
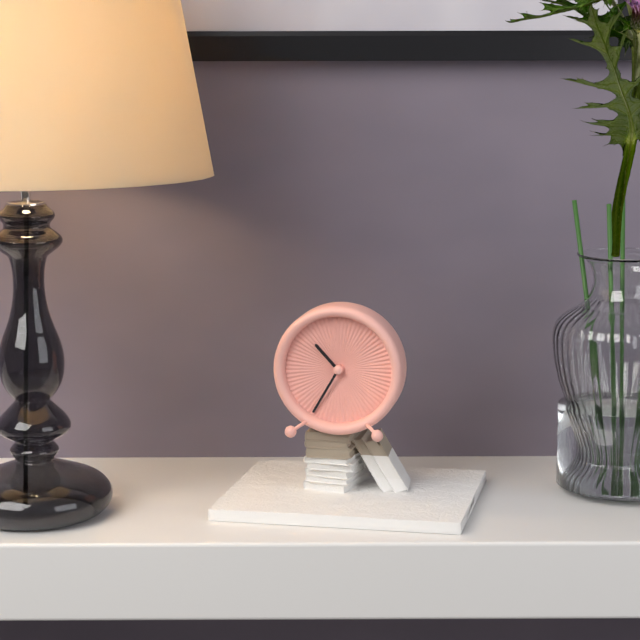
10:35
